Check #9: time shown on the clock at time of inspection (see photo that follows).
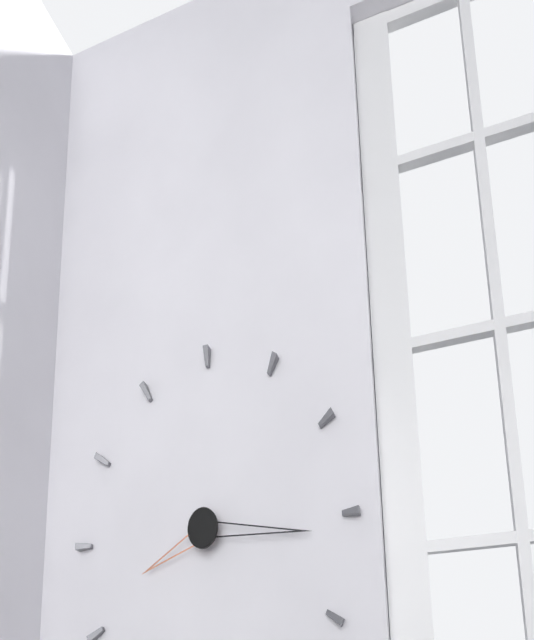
8:16
